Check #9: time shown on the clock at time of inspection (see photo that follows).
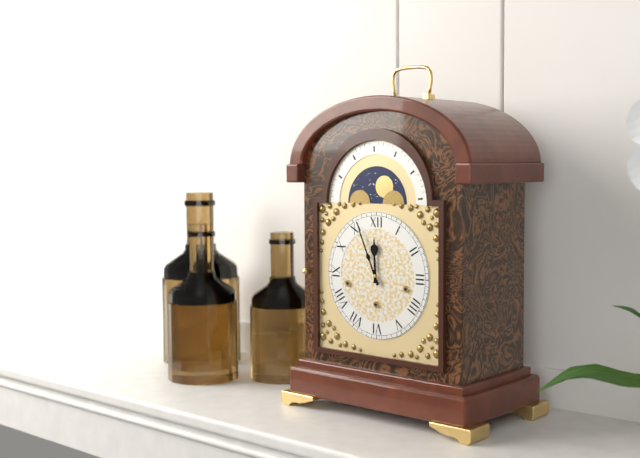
11:56
